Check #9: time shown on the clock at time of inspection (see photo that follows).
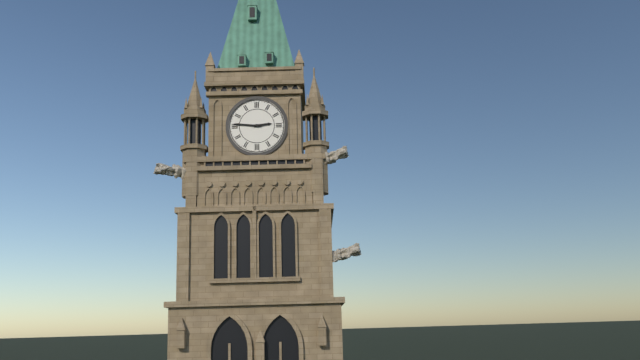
2:46
